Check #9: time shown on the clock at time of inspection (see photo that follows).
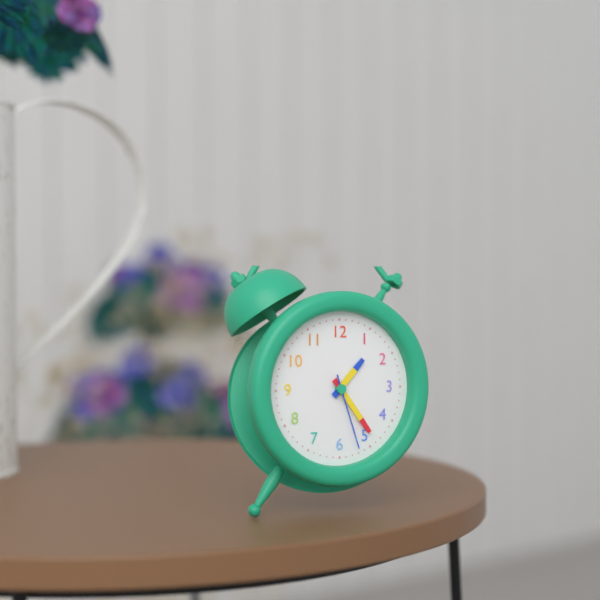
1:24:27
